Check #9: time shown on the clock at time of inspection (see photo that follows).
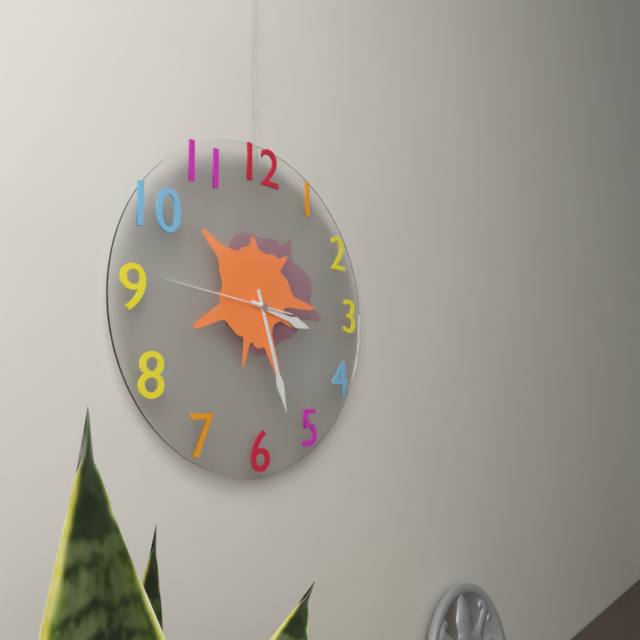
3:27:46
